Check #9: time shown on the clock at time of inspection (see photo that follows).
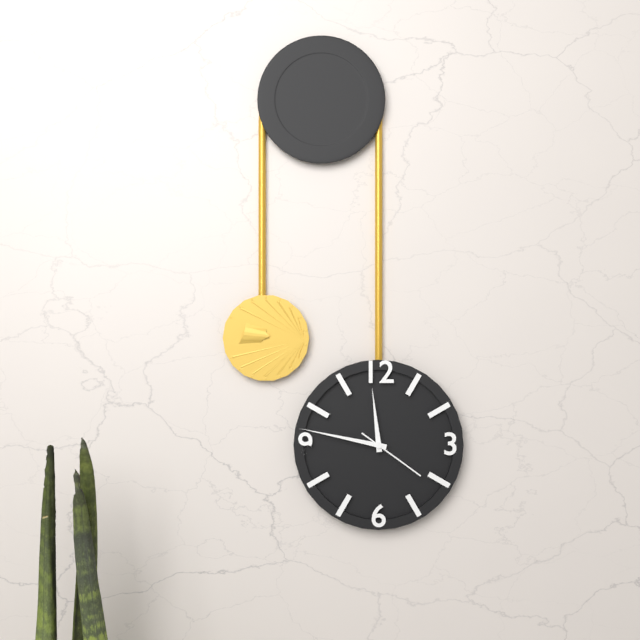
11:47:21
